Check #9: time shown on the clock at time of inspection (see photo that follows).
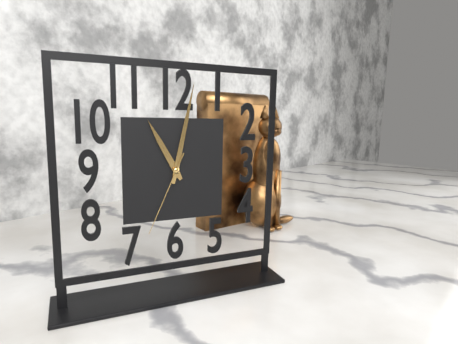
11:02:34
